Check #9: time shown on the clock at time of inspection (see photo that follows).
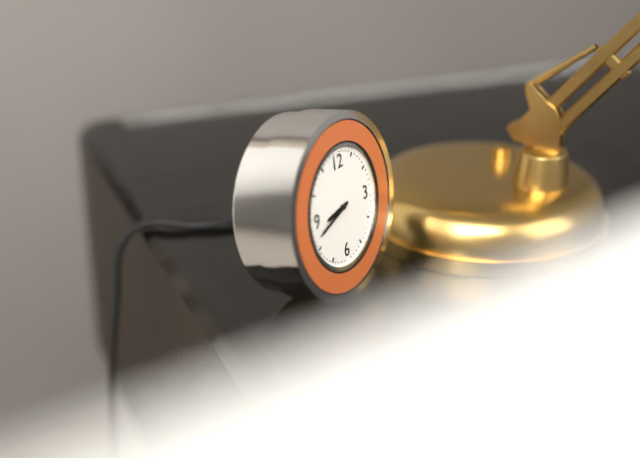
8:42
